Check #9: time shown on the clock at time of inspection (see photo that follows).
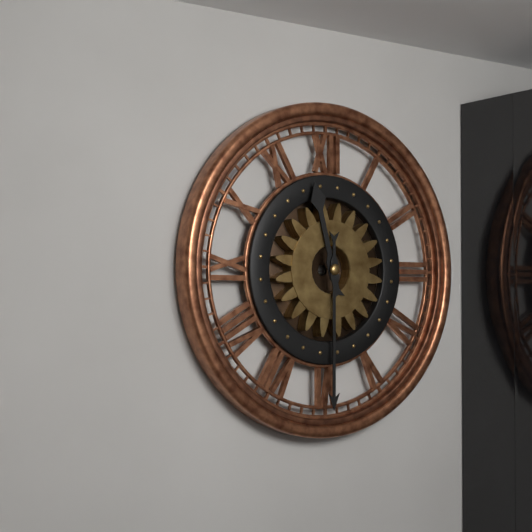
11:30
